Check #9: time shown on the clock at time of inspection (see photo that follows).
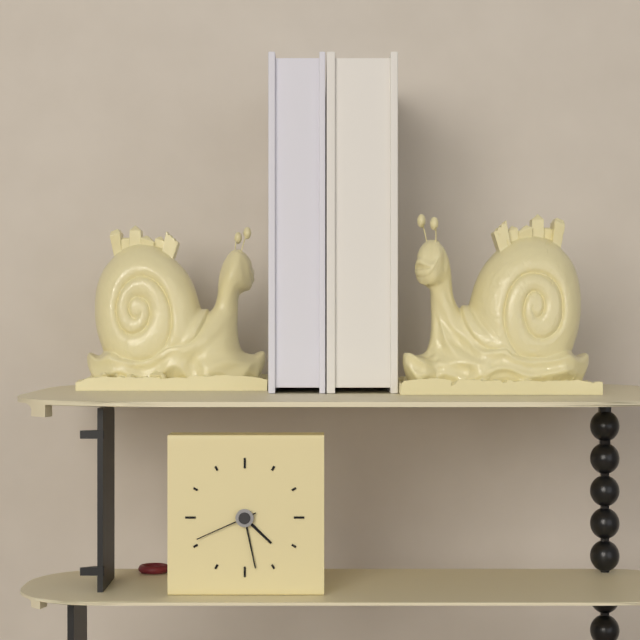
4:28:41
